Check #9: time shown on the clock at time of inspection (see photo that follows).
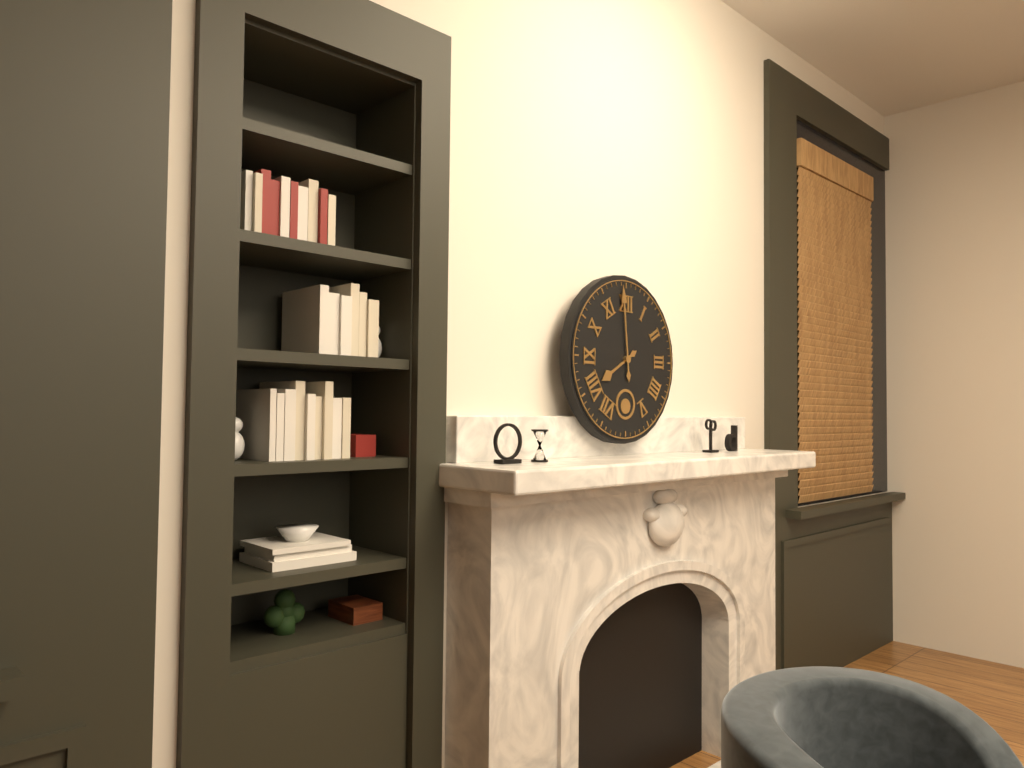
7:59
